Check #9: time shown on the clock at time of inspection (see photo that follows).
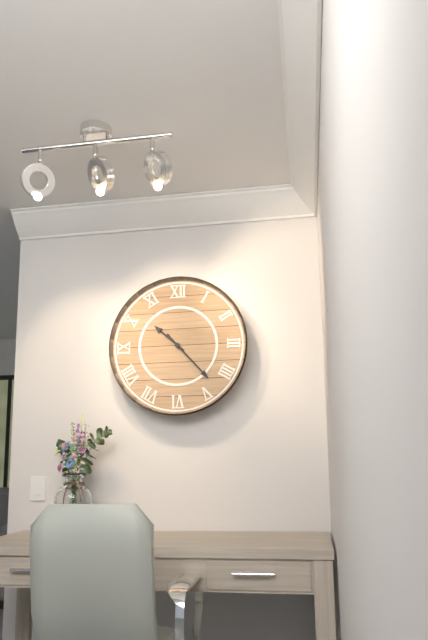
10:23
